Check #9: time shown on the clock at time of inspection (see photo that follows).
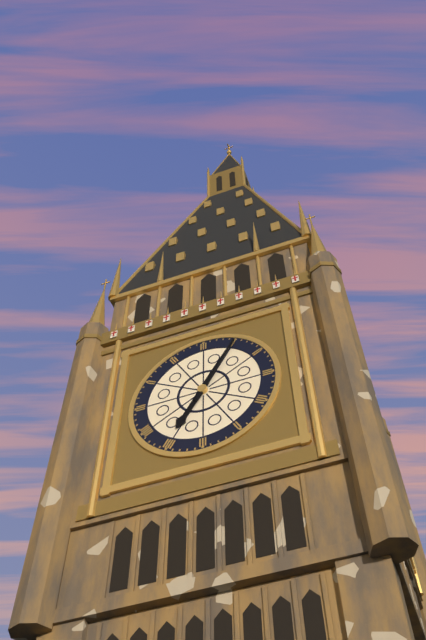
7:05
